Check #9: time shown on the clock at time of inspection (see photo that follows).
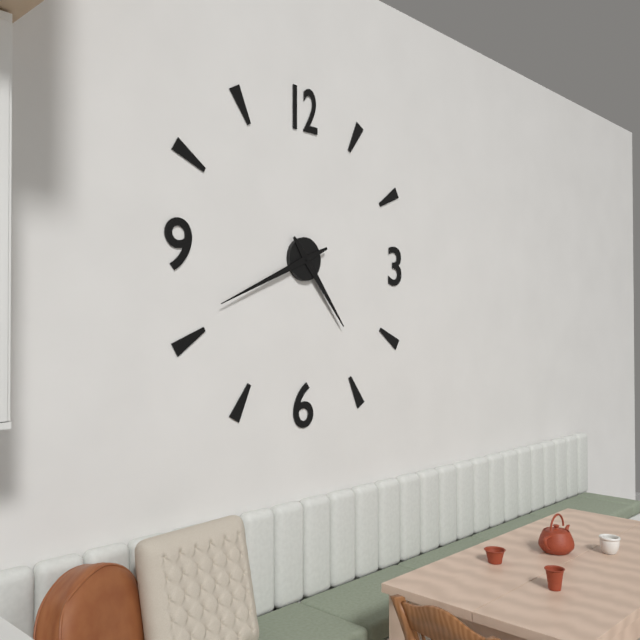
4:41
